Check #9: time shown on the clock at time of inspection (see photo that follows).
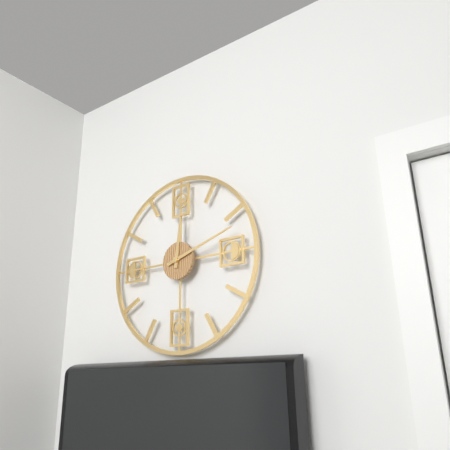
12:12
